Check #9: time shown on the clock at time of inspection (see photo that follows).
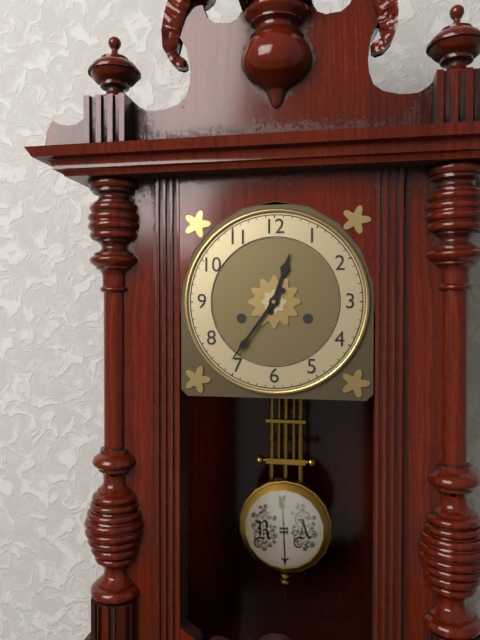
12:36
